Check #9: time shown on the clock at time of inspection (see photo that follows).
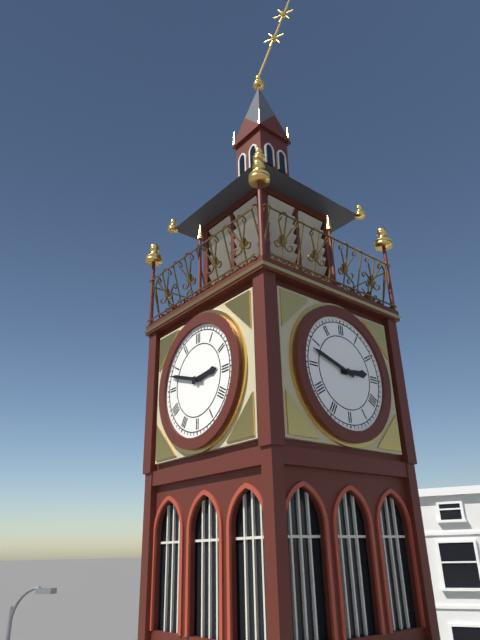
2:48
